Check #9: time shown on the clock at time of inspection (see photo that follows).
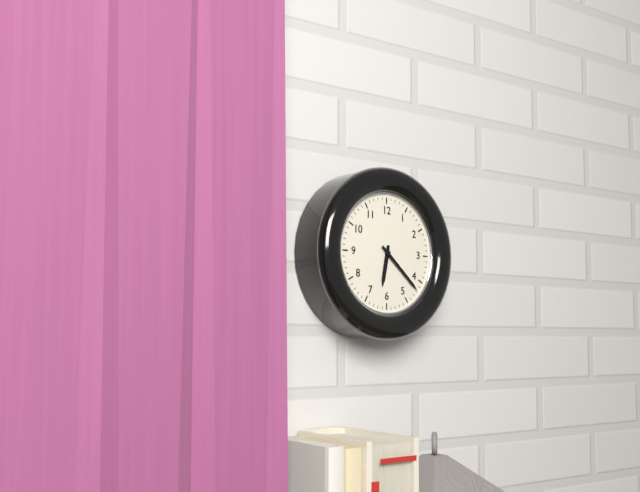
6:22
